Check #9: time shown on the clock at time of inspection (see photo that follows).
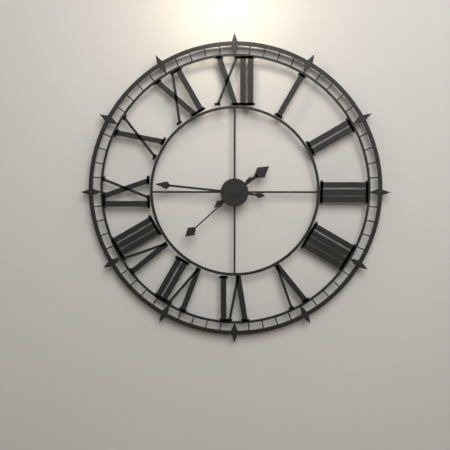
1:46:38
